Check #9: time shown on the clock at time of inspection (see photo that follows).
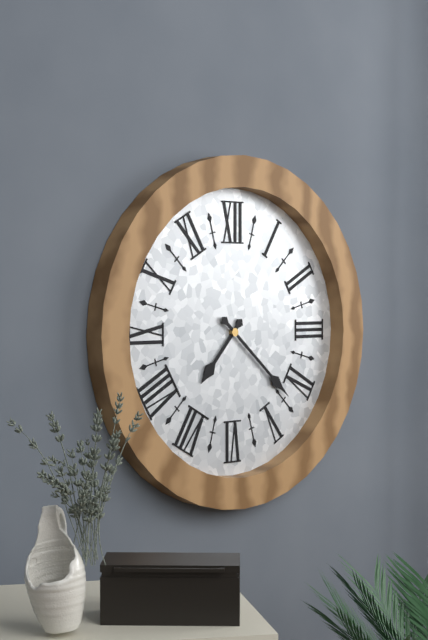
7:22
